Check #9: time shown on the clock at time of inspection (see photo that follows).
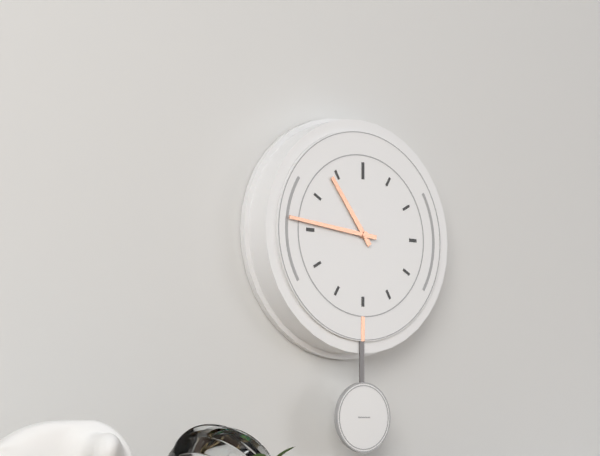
10:46
